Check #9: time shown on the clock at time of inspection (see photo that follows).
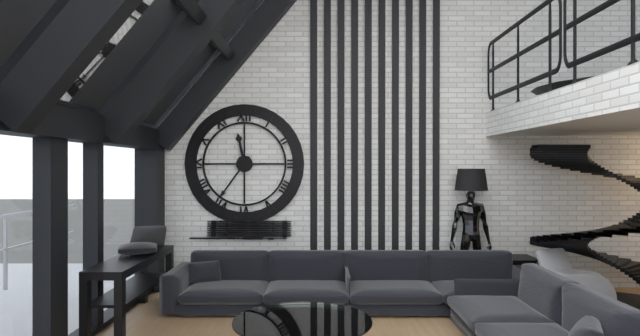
11:36
